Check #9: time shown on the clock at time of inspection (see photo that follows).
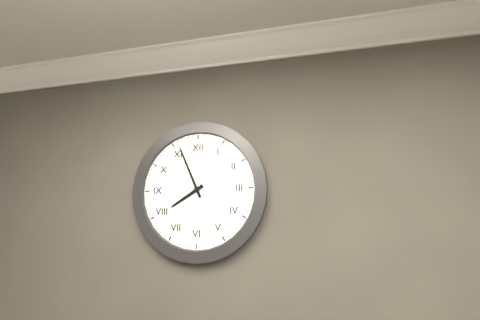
7:56
